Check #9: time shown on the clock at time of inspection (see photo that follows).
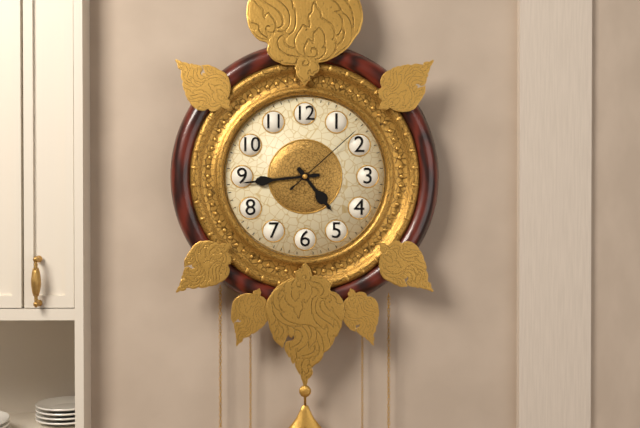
4:44:08
